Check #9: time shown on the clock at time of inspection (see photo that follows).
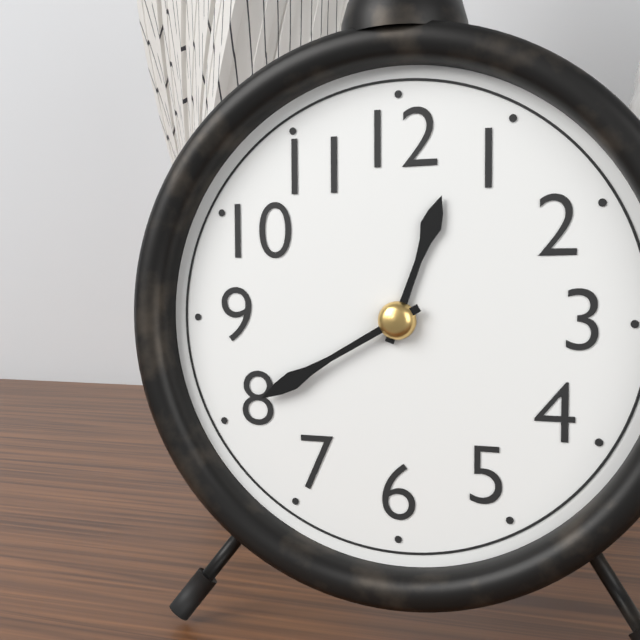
12:40
